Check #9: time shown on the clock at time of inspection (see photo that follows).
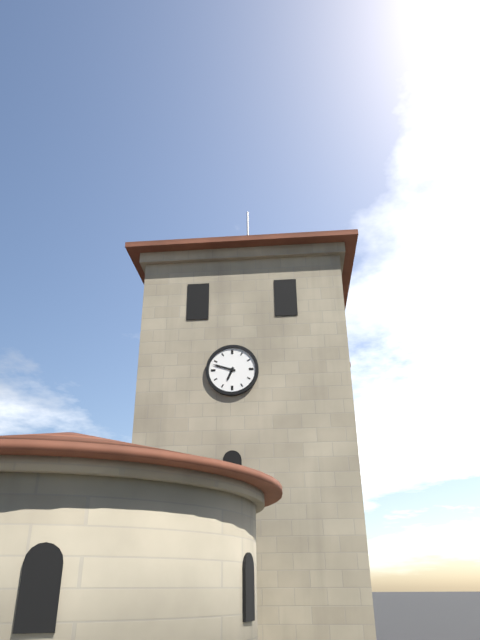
6:48
